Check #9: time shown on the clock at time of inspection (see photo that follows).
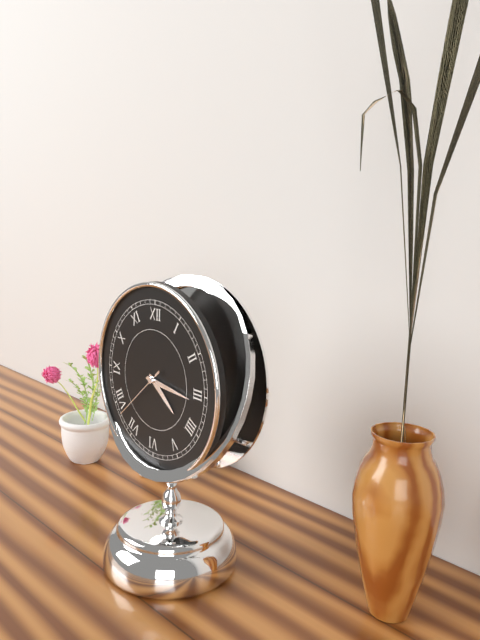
4:16:38
